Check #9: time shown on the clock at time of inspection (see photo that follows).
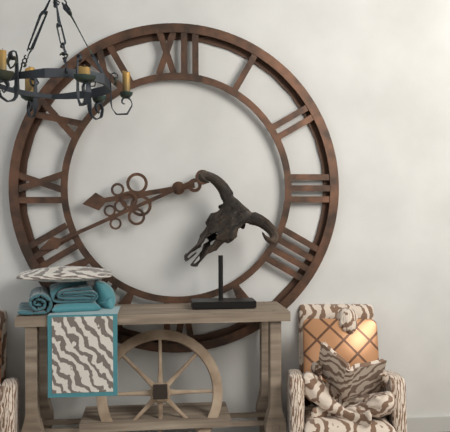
8:41
